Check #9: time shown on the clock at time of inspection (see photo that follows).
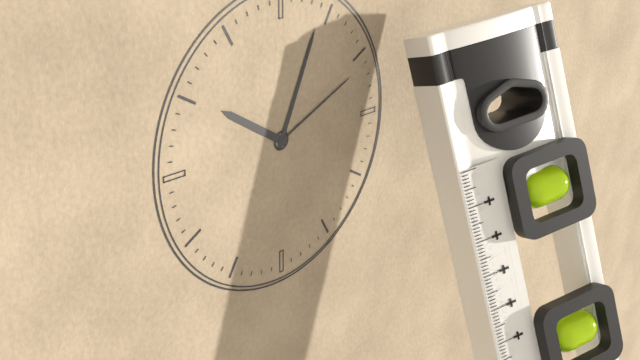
10:04:11
